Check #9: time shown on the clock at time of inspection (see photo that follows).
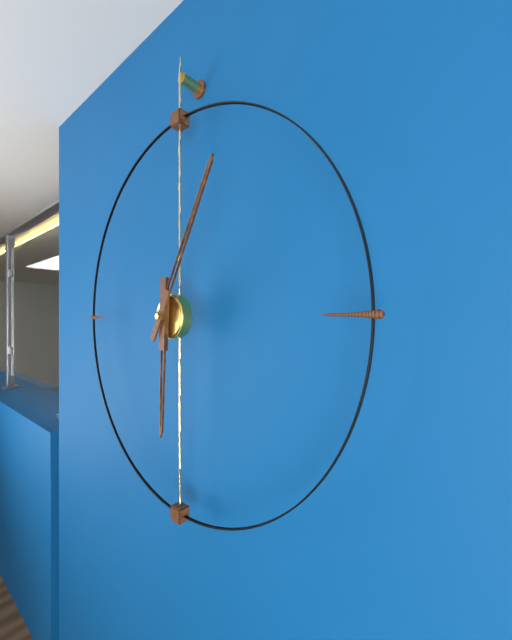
6:05
